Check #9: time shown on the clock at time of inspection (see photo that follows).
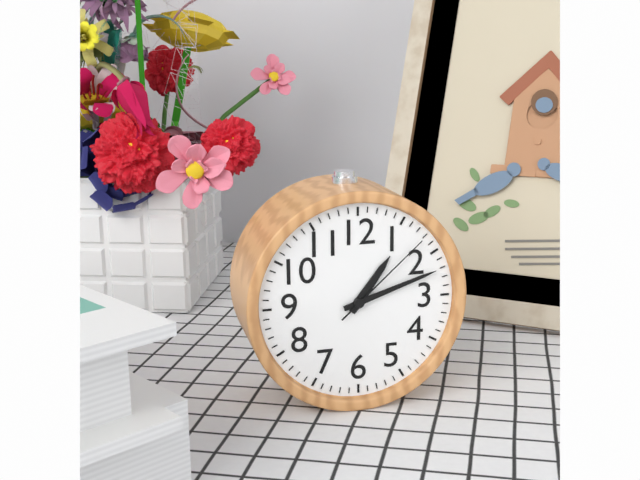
1:12:08
